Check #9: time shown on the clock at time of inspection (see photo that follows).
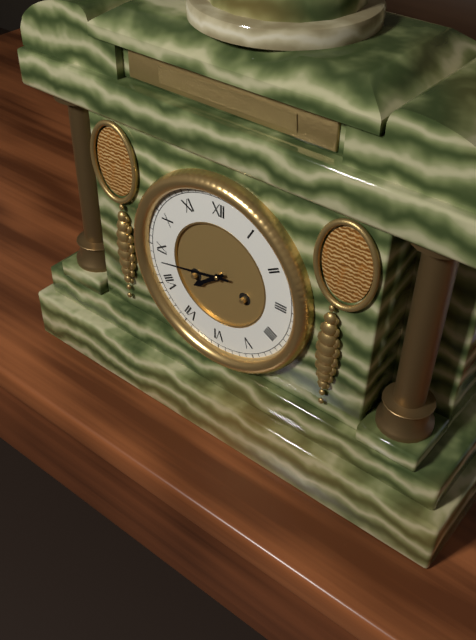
7:43
